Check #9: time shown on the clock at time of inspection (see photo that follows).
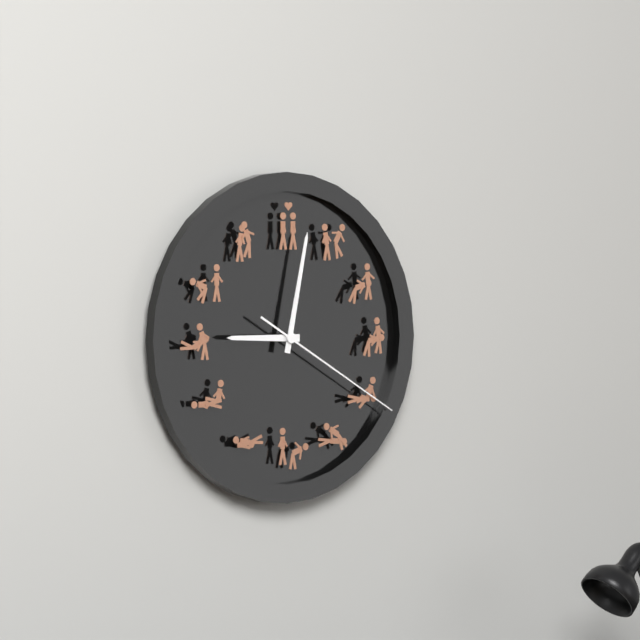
9:02:20
